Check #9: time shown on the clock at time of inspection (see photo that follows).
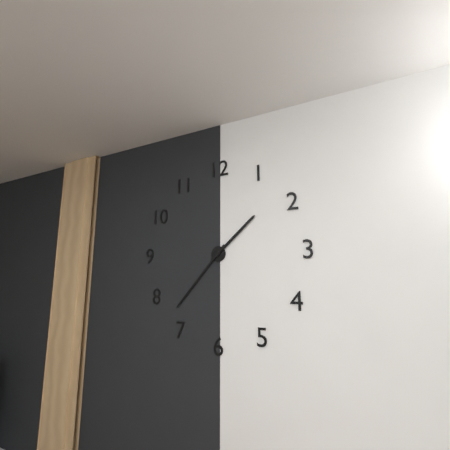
1:37
